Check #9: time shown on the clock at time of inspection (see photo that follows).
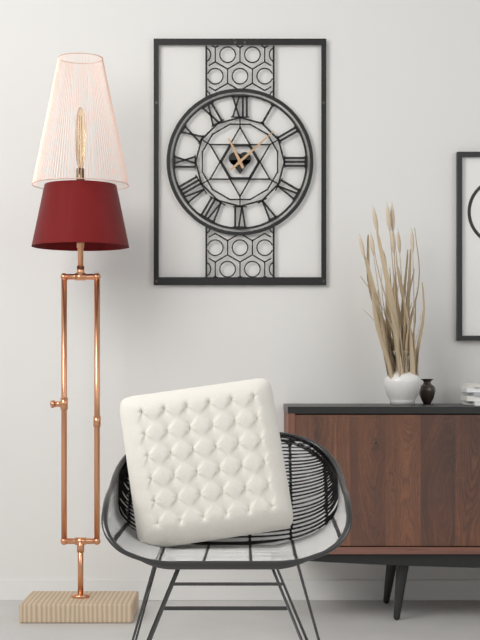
11:08
